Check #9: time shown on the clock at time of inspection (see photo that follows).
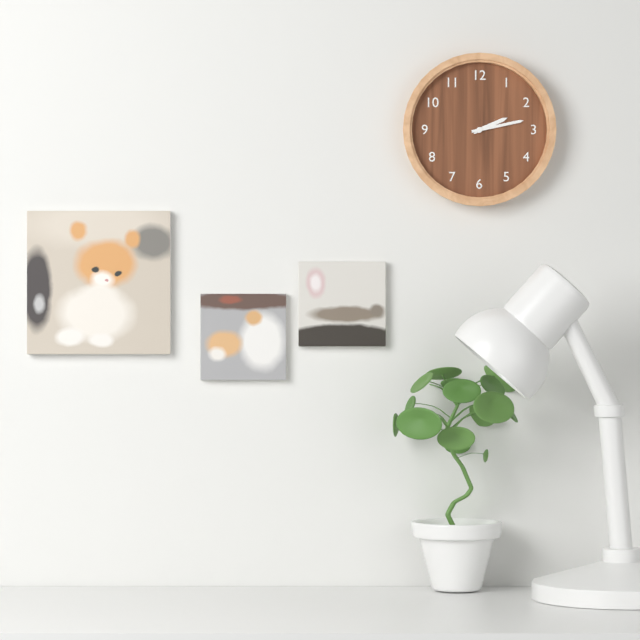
2:13
